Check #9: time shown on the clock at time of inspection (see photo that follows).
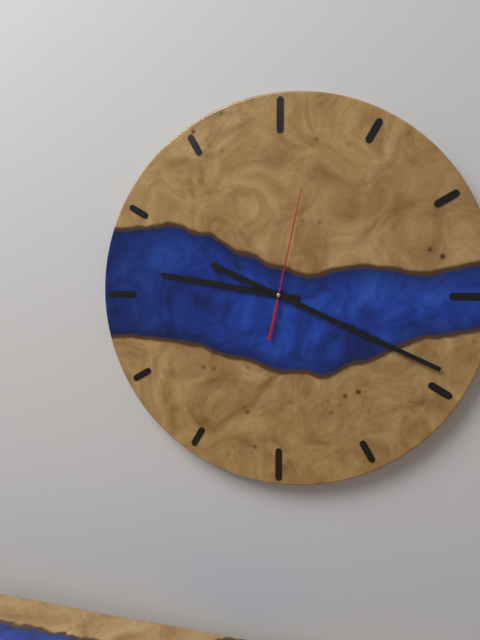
9:19:02
